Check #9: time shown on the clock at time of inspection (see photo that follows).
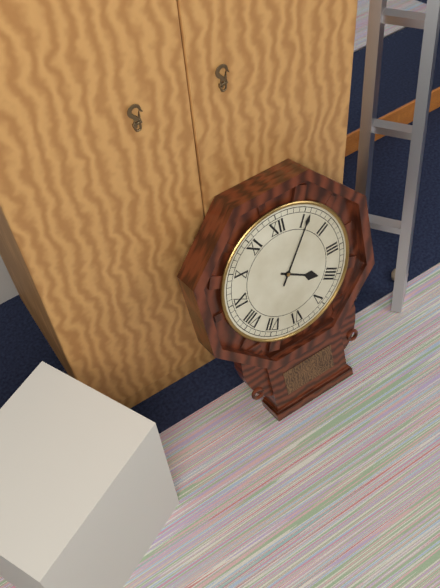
4:06
